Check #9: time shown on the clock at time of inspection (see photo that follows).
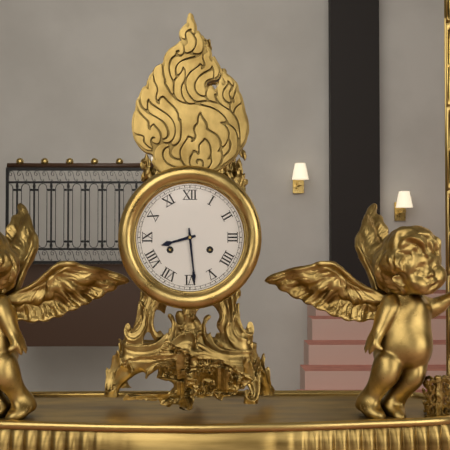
8:29
